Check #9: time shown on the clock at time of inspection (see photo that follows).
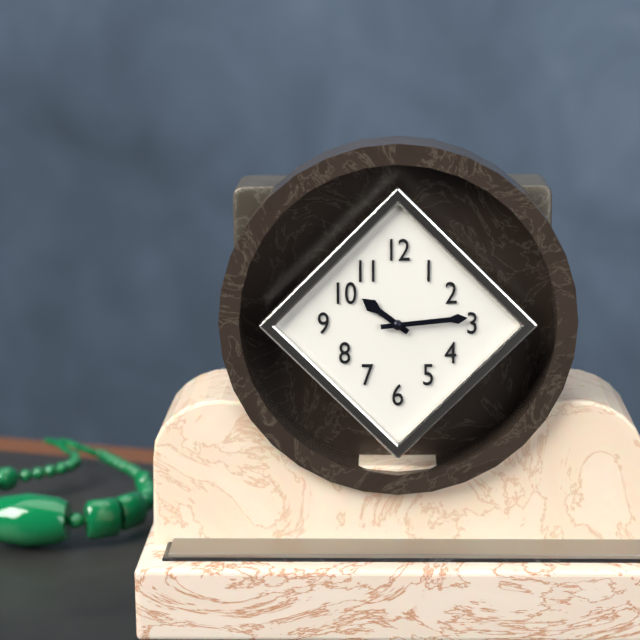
10:14
